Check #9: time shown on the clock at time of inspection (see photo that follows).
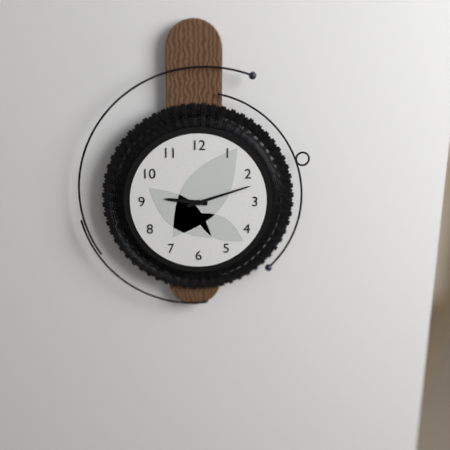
9:12
